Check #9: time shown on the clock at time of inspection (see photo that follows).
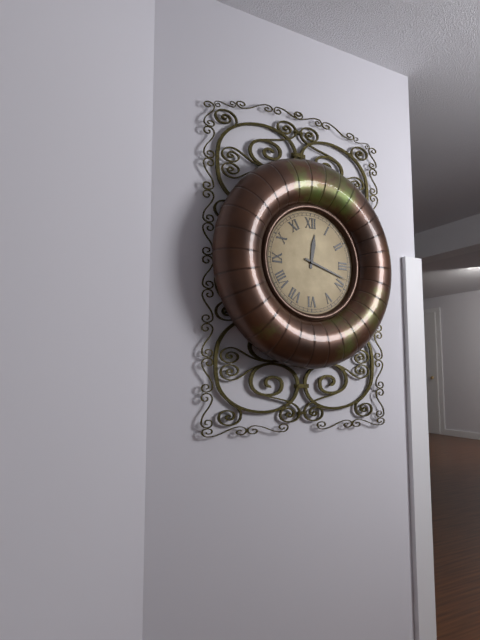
12:18
